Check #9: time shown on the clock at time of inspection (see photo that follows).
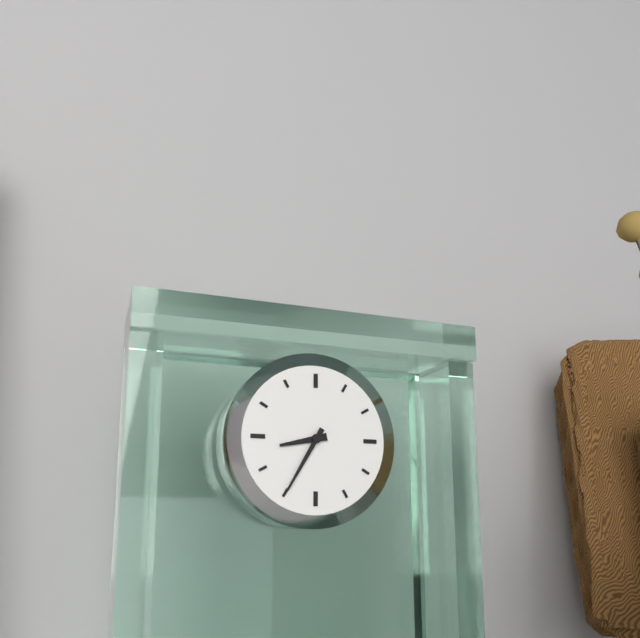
8:35
